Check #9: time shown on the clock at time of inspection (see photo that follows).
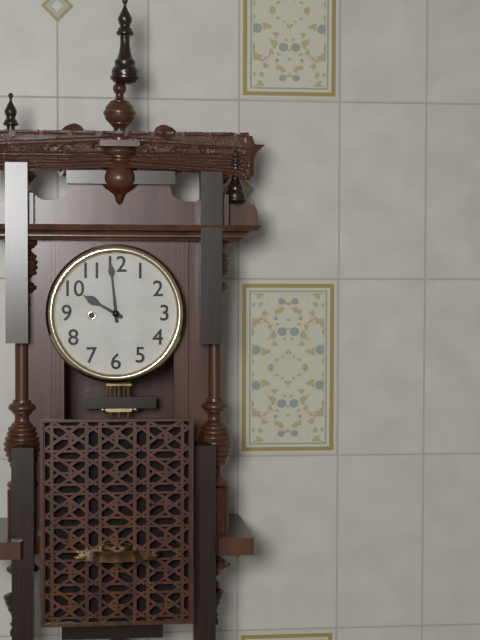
9:59
